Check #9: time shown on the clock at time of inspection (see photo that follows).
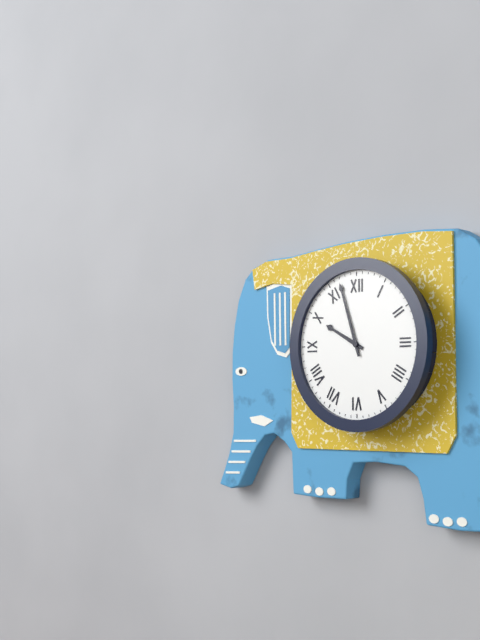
9:57
